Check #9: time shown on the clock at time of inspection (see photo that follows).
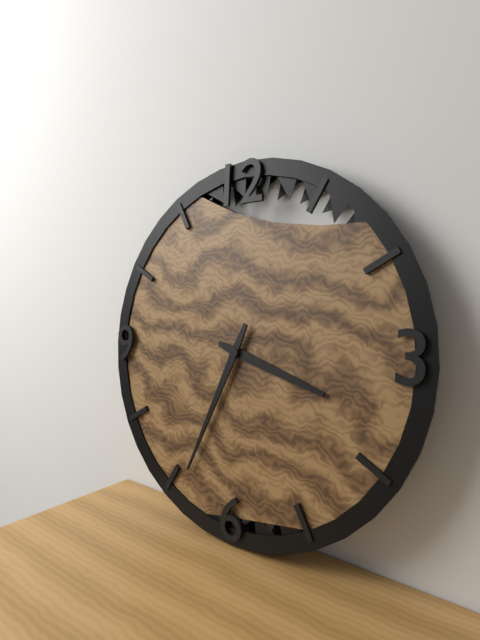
3:34
